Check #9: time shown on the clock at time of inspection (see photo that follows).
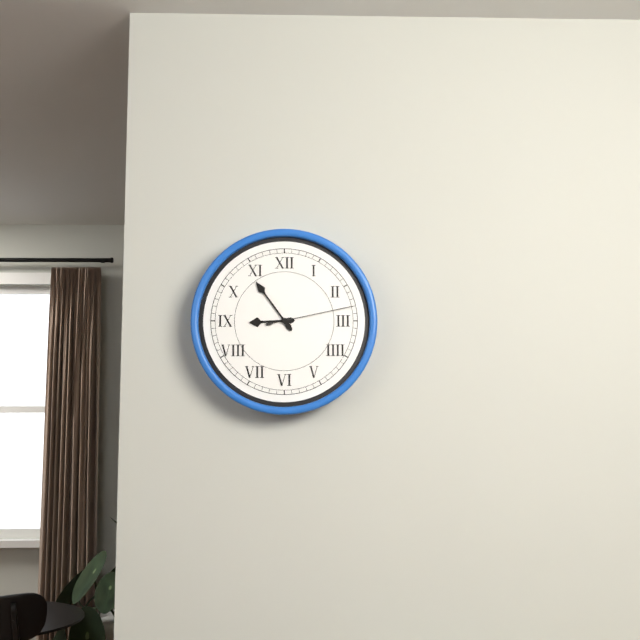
8:54:13
